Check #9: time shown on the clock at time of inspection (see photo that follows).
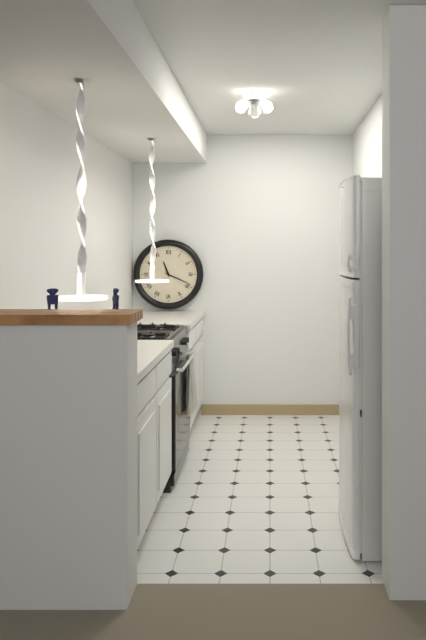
11:19
